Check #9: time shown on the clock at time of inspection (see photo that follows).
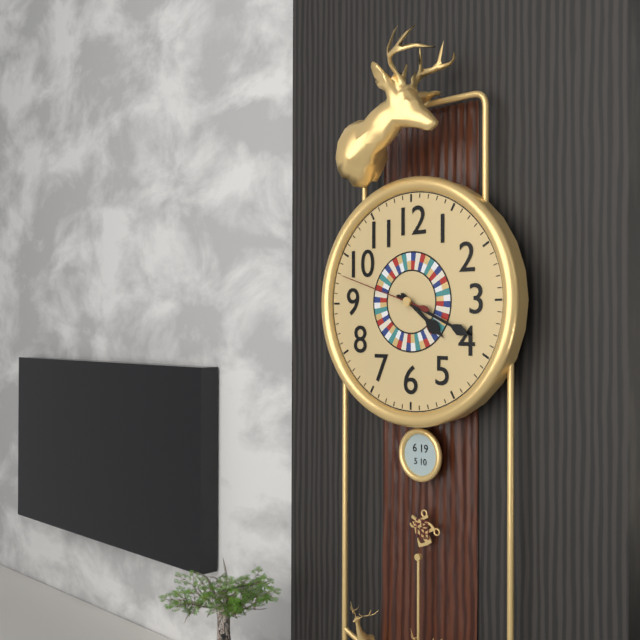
4:19:48
